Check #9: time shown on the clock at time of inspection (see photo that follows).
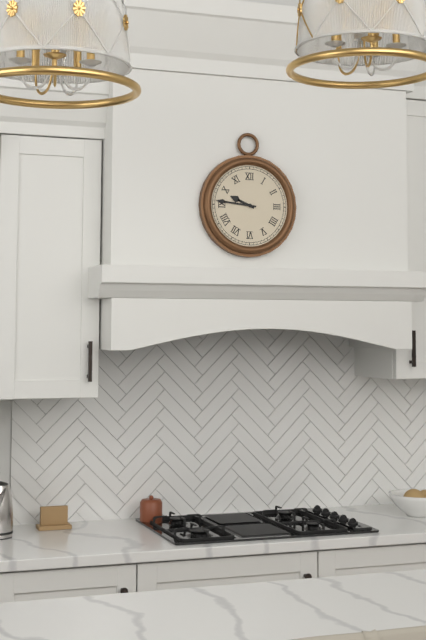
9:46
